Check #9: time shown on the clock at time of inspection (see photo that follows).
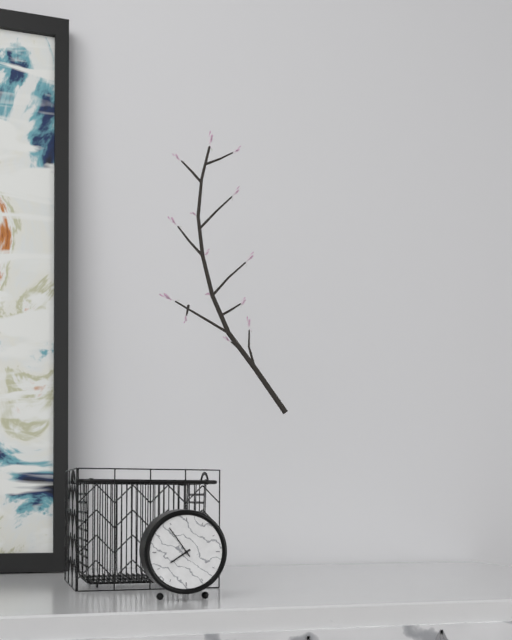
7:54
